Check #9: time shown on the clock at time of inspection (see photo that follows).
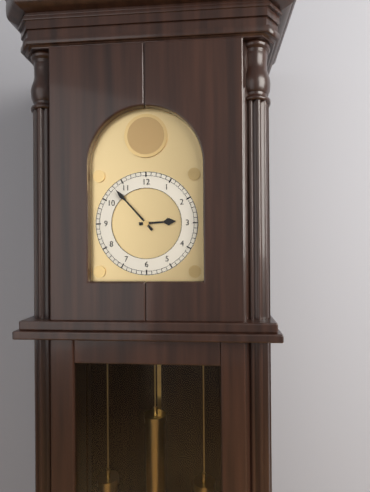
2:53
